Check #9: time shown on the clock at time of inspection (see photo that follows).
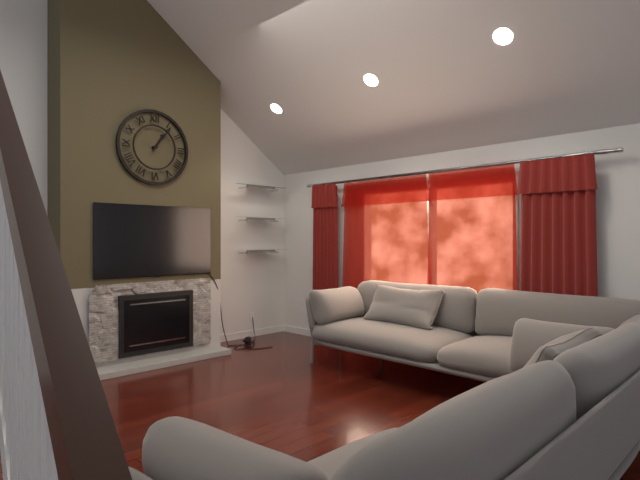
1:06
